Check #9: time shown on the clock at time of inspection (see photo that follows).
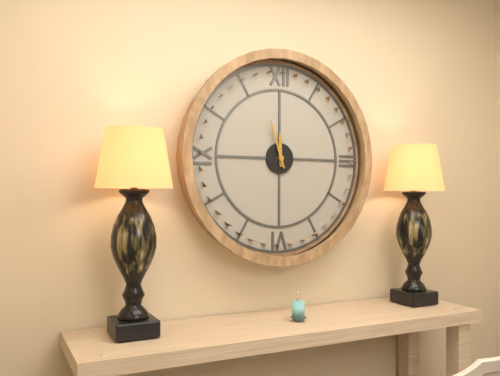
11:57
